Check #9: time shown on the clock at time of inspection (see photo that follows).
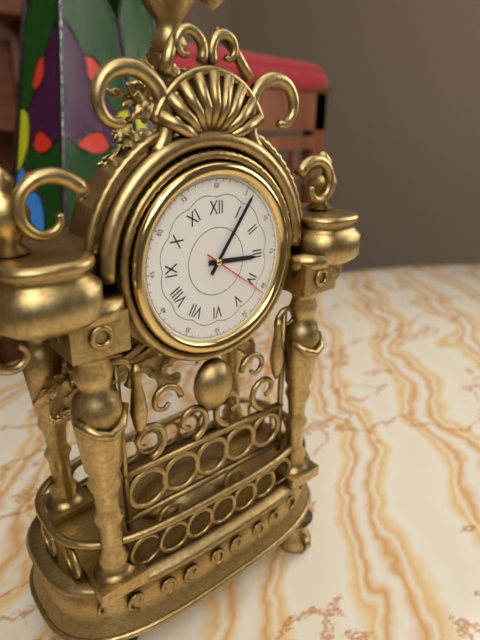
3:06:21
